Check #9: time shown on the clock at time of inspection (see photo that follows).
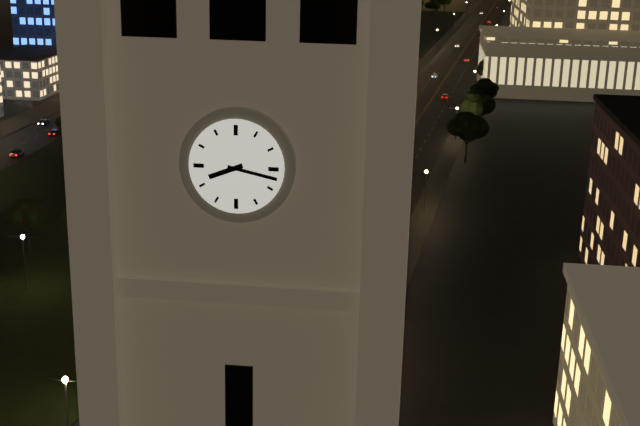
8:17
